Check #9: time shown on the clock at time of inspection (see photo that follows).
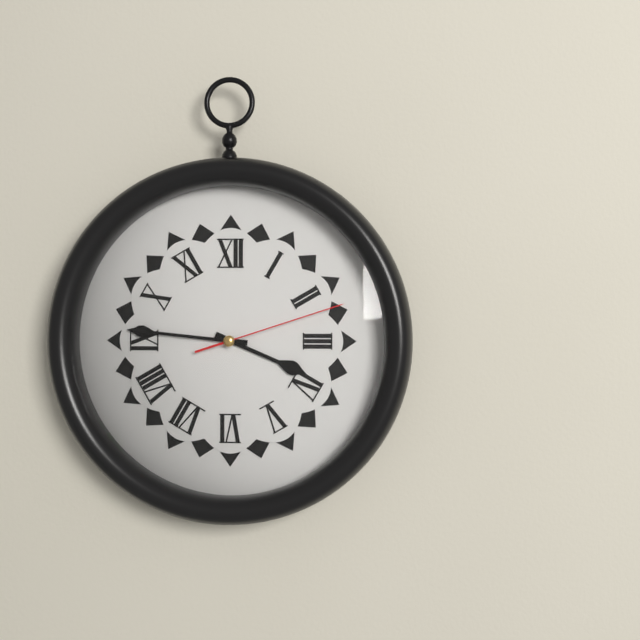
3:46:12
